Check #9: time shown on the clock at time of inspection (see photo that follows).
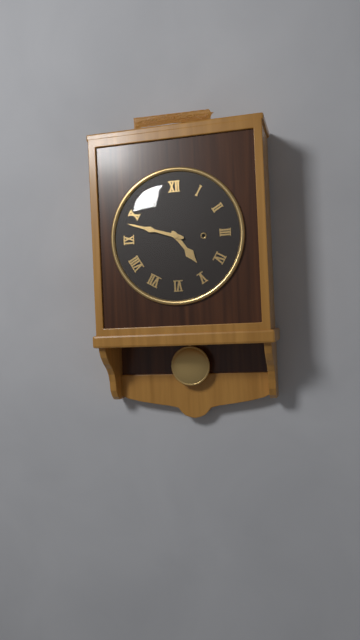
4:48
